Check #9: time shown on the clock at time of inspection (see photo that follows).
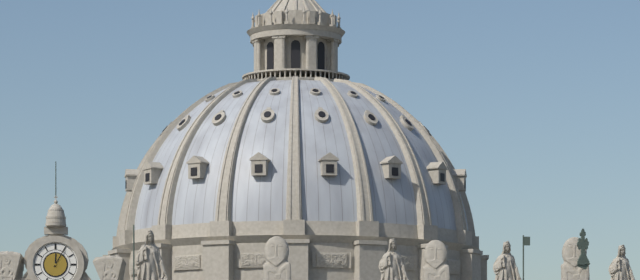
12:05
